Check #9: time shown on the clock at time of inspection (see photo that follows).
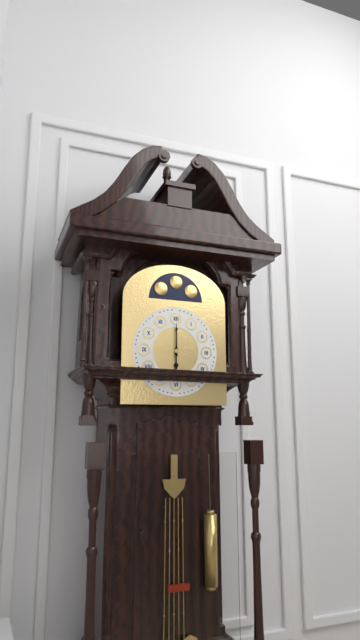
6:00
